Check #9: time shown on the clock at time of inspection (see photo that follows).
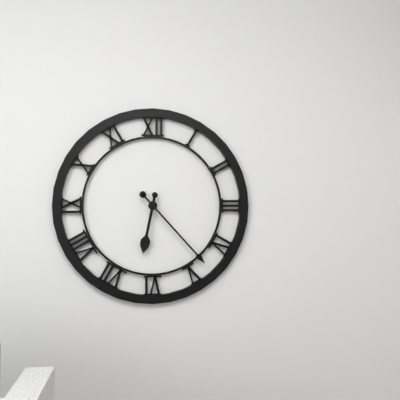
6:23
